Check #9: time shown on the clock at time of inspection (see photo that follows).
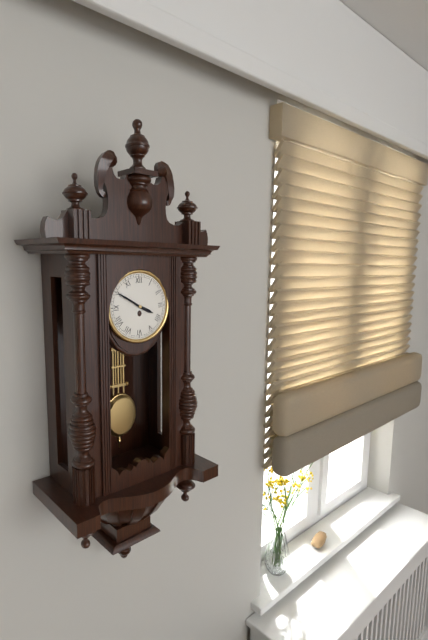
3:50
